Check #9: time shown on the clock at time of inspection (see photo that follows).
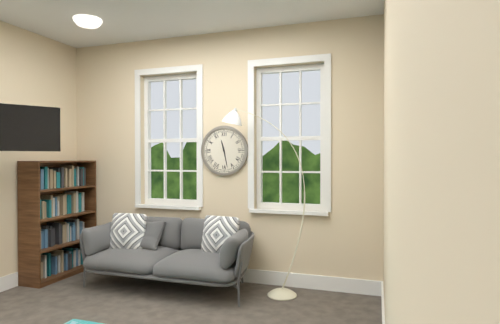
11:28
